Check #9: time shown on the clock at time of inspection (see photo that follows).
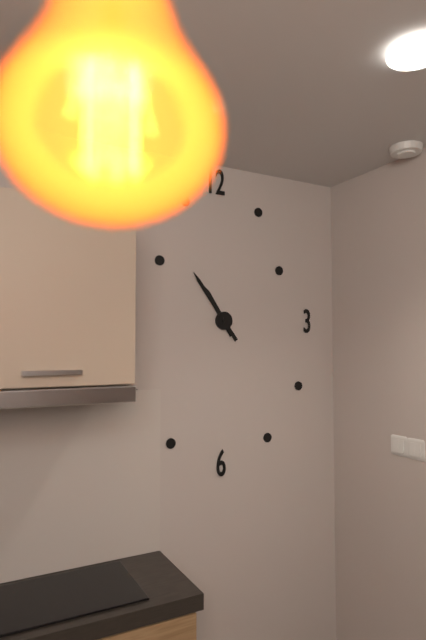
10:54
